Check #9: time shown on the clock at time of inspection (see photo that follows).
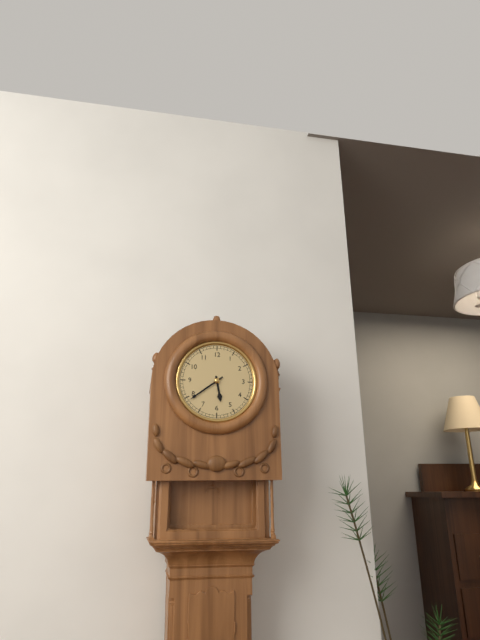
5:39
